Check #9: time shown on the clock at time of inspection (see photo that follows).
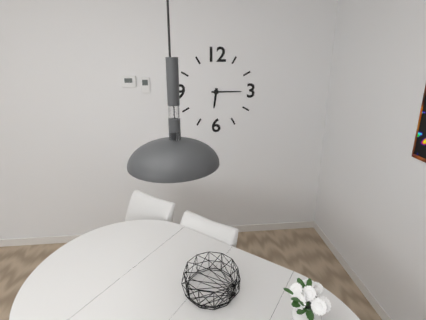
6:15
